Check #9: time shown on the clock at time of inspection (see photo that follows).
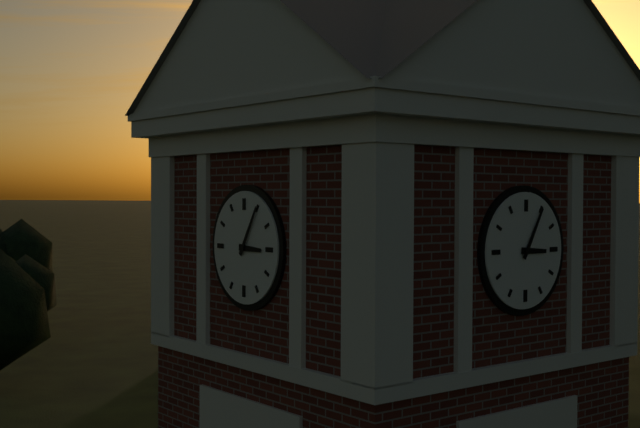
3:05
